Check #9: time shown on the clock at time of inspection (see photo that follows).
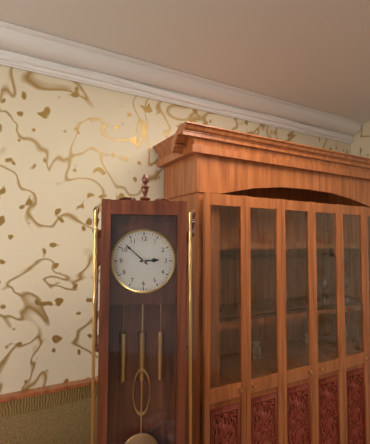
2:52
